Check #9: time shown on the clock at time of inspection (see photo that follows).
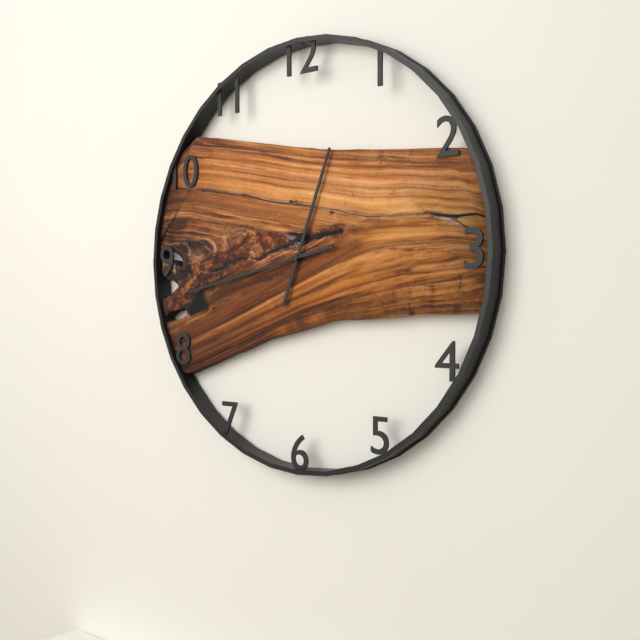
12:43
